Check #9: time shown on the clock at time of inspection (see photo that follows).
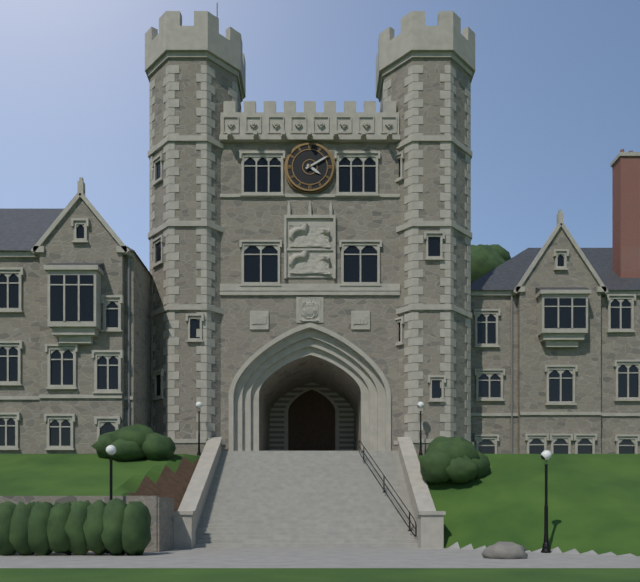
4:10
